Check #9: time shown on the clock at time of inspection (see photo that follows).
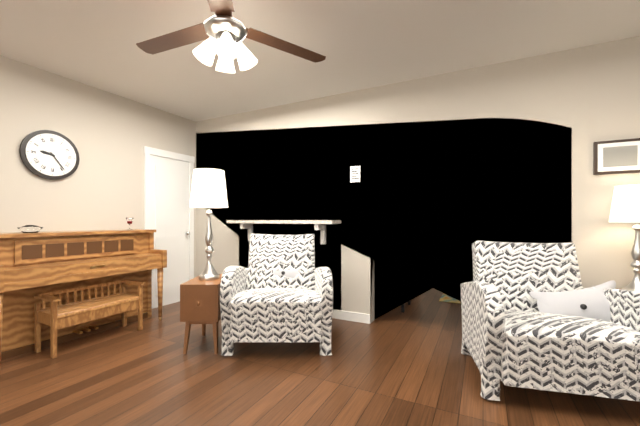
9:24
